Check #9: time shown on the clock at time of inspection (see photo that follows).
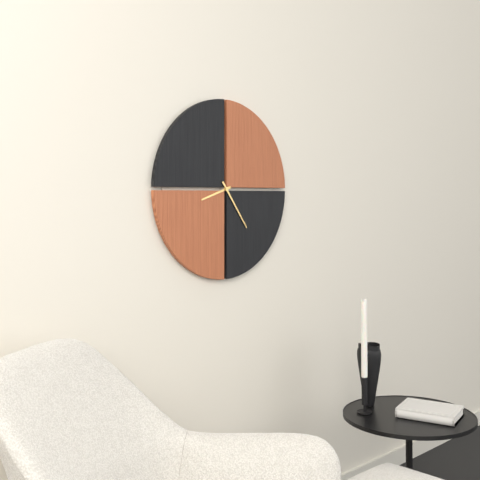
8:24
